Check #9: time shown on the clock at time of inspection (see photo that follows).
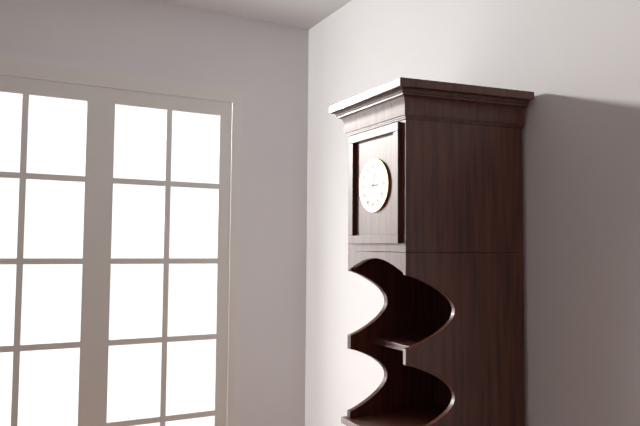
3:03
